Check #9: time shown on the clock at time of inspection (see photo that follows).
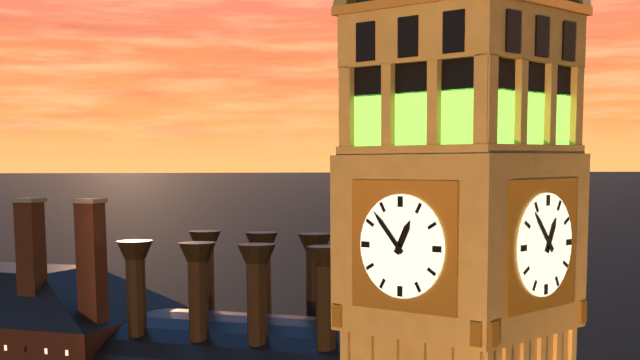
12:53
